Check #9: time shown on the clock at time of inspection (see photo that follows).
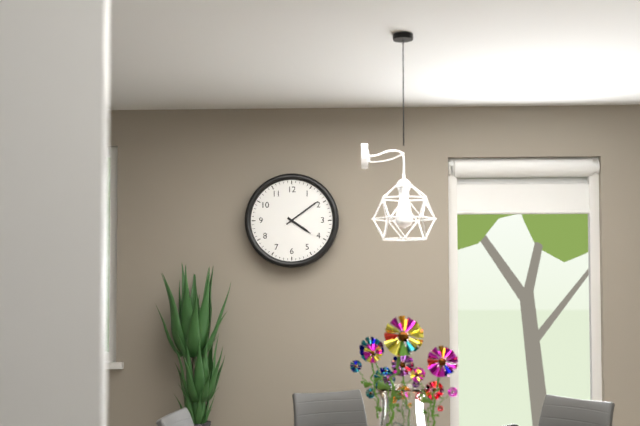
4:09
